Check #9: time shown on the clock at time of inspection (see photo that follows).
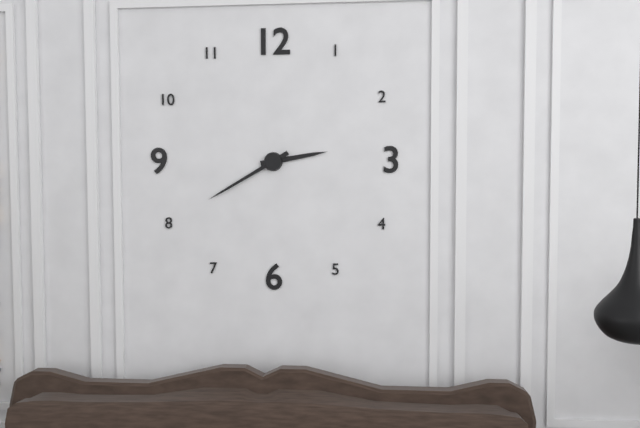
2:40
